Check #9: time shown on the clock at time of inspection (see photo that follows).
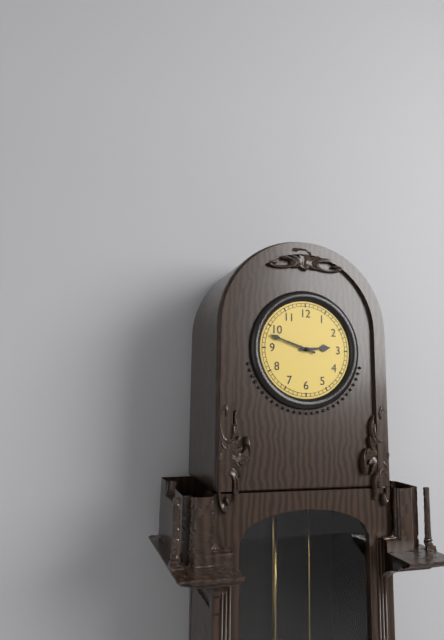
2:48
